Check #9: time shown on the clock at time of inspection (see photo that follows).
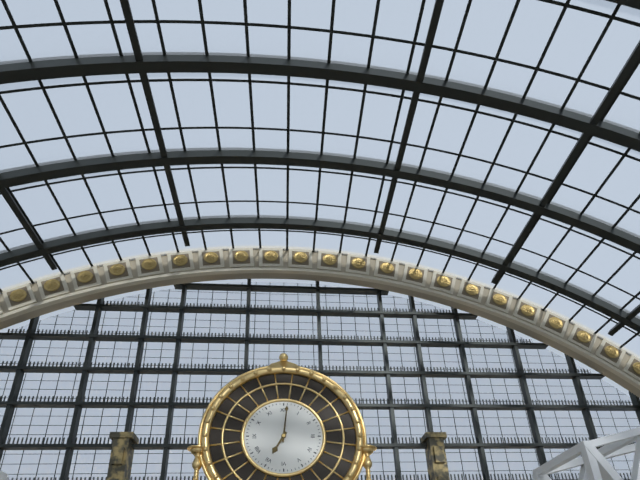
7:01
